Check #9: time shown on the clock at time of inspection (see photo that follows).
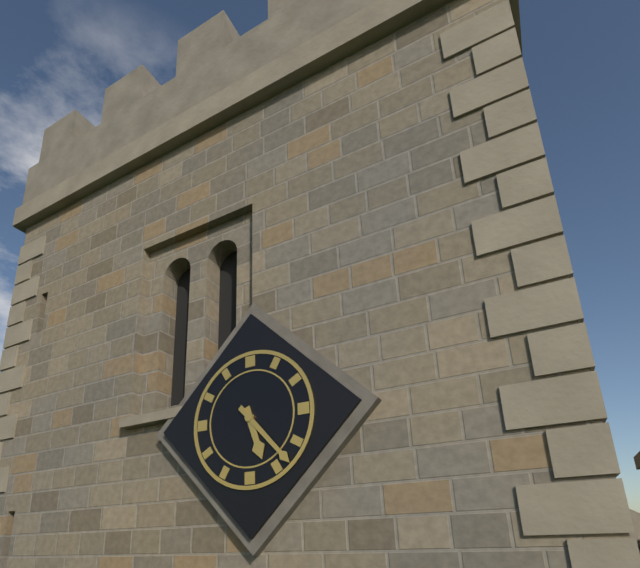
5:23
